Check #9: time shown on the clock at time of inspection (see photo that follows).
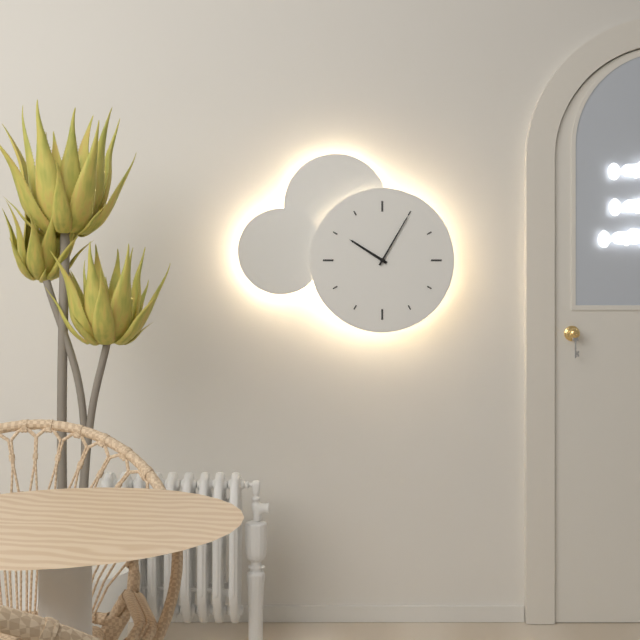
10:05
